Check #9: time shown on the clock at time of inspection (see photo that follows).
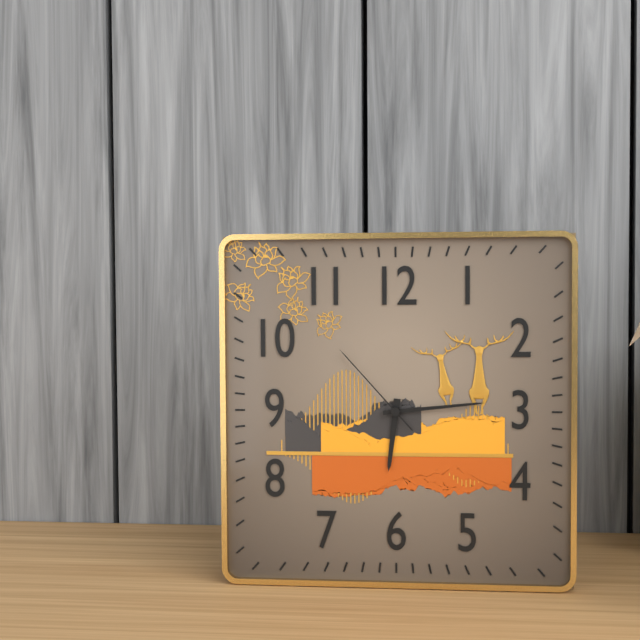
6:14:53
